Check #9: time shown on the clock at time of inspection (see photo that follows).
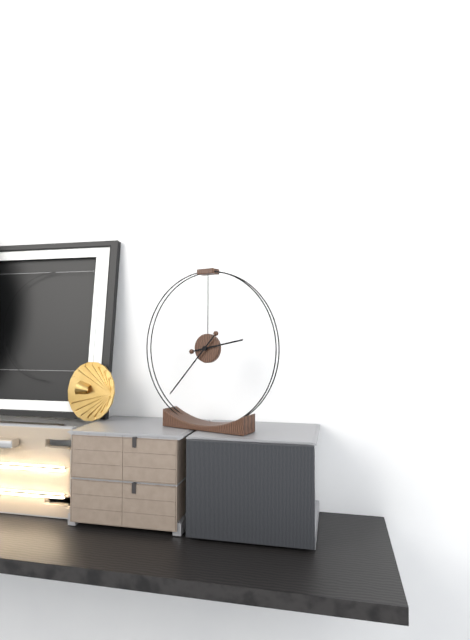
2:37
